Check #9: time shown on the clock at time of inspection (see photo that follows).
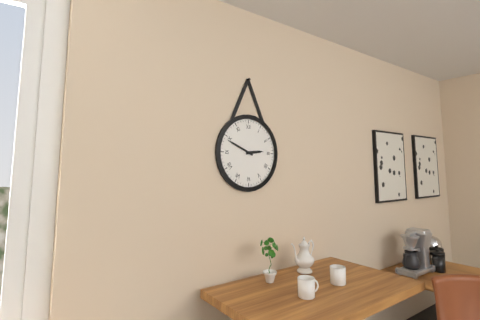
2:49
